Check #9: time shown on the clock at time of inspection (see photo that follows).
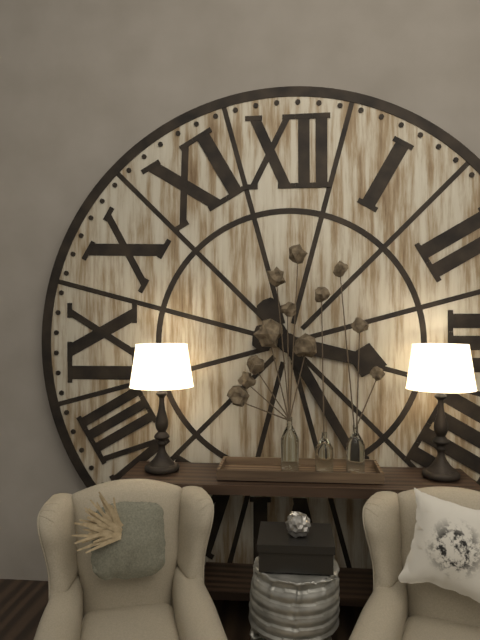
3:25
